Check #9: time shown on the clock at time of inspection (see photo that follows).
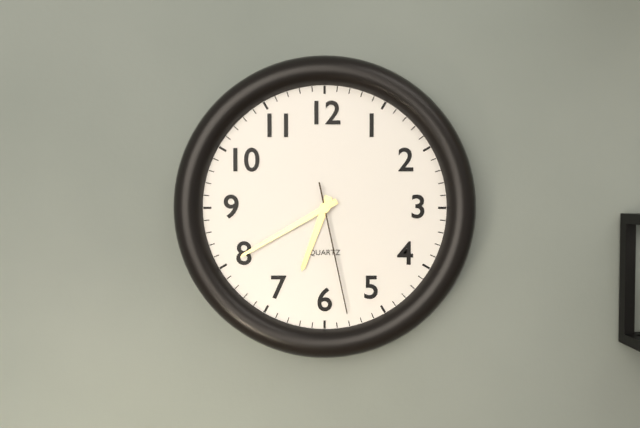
6:40:28
